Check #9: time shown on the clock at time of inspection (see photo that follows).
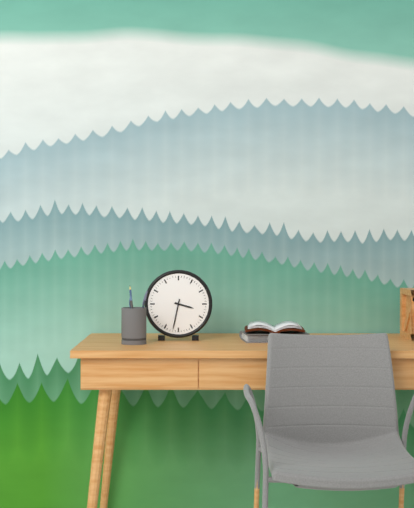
3:32
